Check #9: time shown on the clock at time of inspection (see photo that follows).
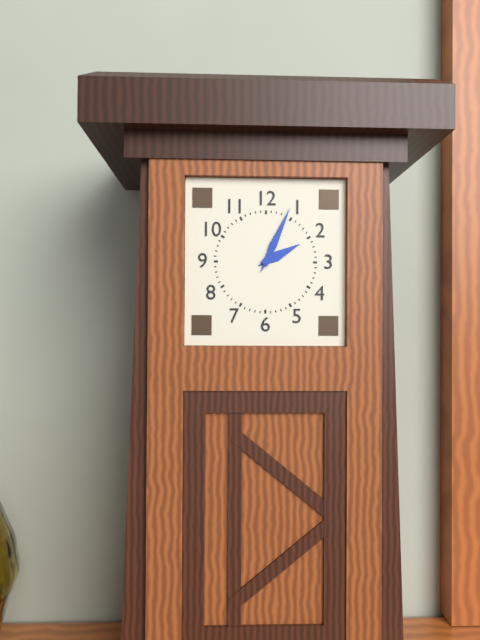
2:04
